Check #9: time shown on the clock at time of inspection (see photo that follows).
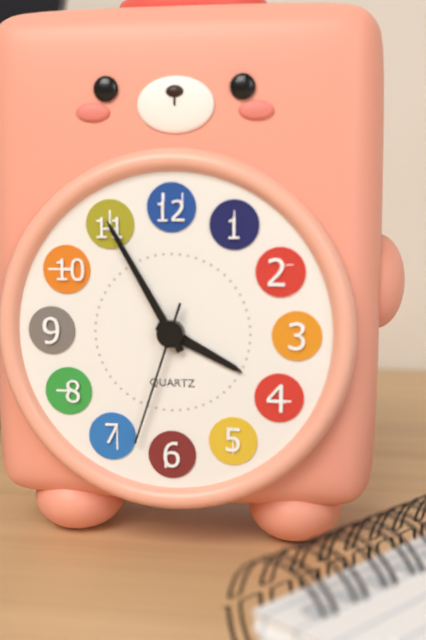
3:55:33
